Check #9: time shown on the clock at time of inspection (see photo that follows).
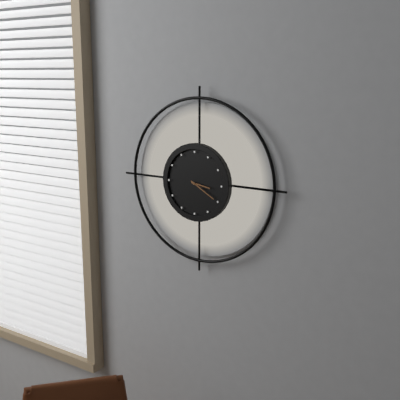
3:20
